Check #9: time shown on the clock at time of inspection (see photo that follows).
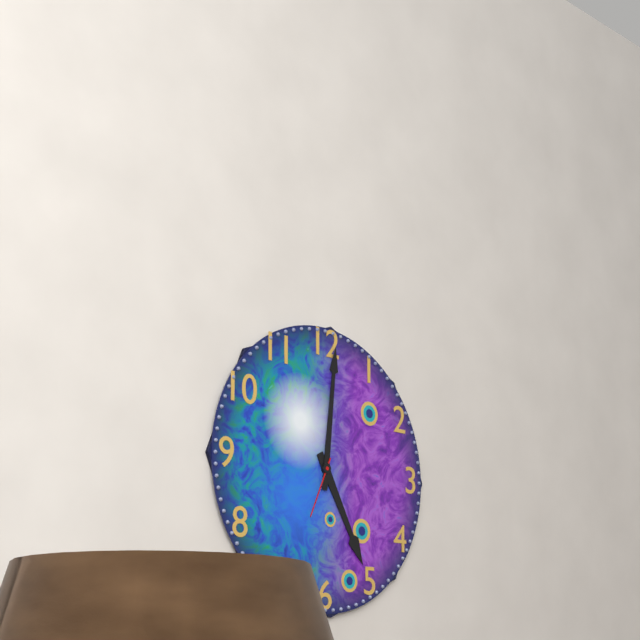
5:01:34
